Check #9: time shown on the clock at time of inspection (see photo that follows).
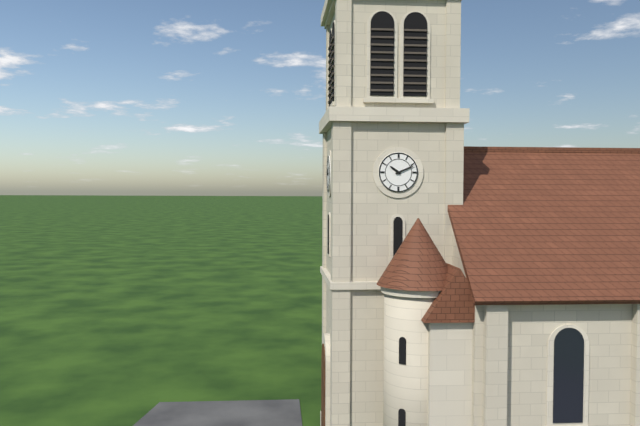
10:11
